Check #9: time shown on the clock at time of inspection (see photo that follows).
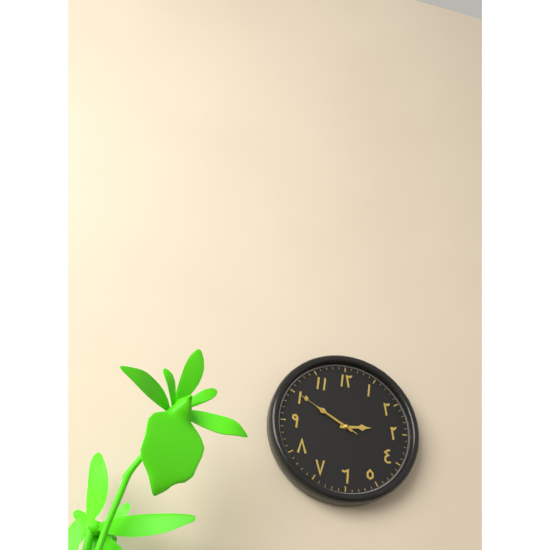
2:50:50
